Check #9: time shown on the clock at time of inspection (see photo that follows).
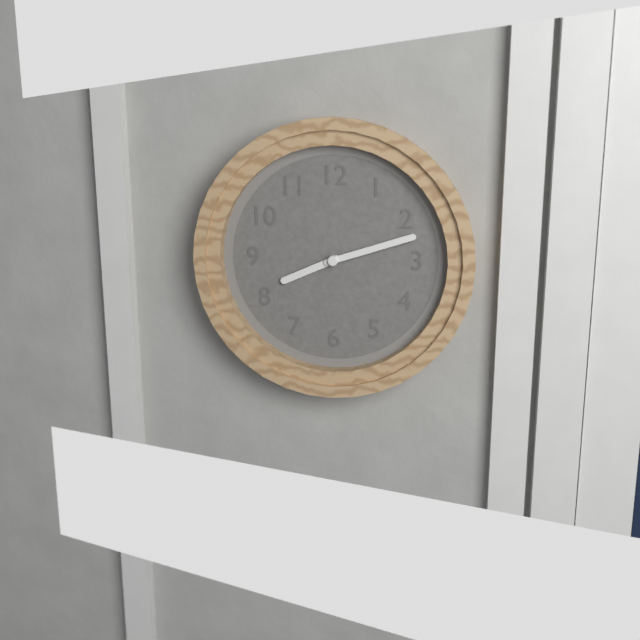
8:12
